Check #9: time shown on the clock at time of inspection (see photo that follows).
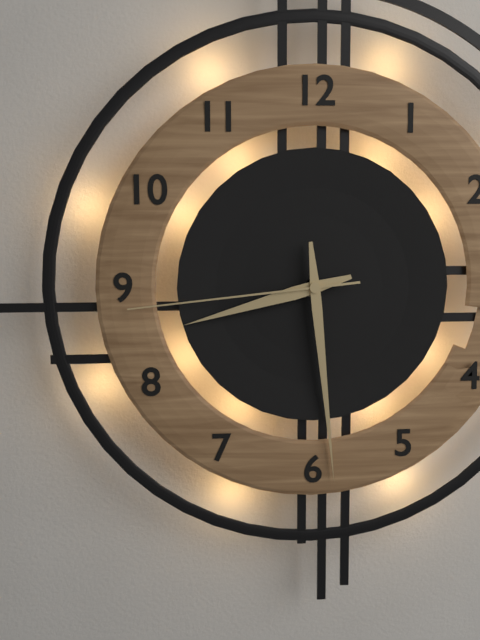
8:29:44
